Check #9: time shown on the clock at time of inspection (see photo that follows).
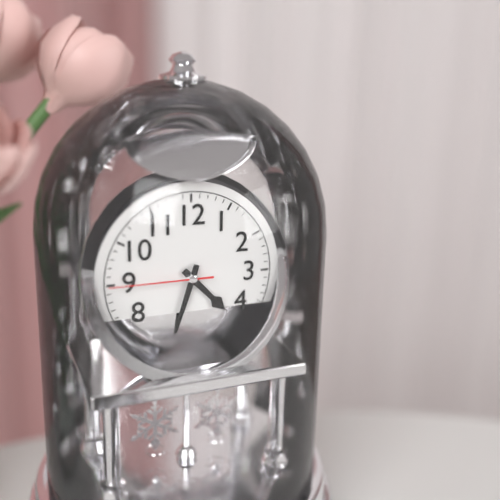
4:33:45
